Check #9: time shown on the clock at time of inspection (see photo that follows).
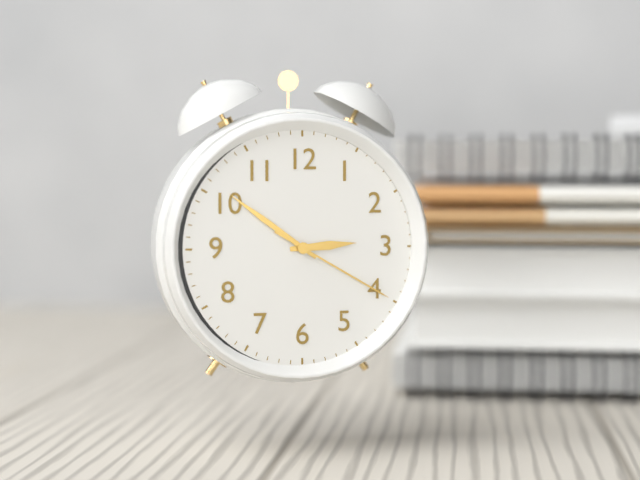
2:51:20
